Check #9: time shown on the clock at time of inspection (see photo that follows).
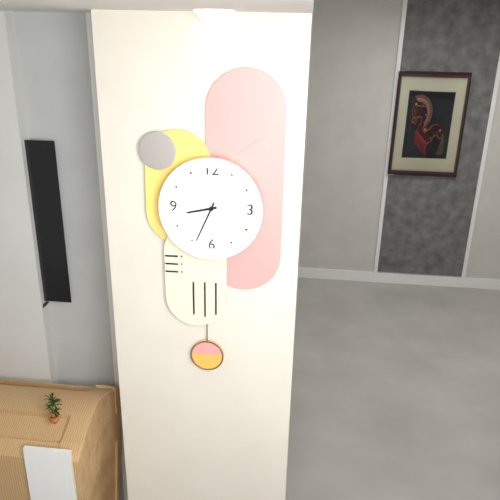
8:34
